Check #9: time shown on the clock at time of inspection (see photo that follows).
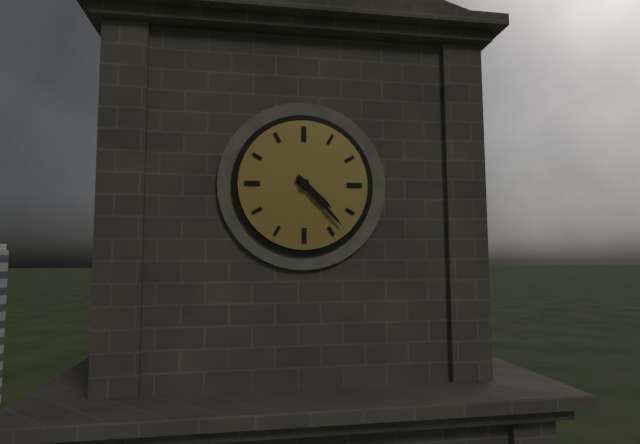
4:23
